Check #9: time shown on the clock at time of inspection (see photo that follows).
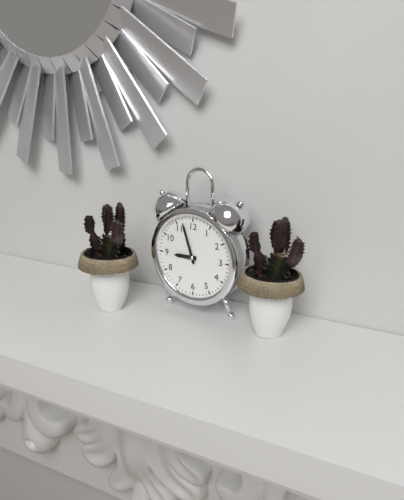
8:57
